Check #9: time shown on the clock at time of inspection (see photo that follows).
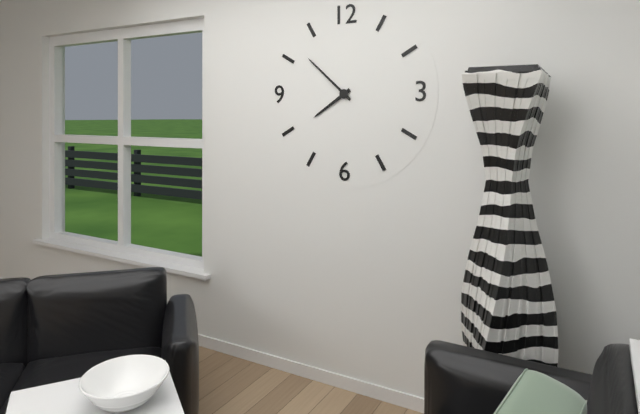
7:52
